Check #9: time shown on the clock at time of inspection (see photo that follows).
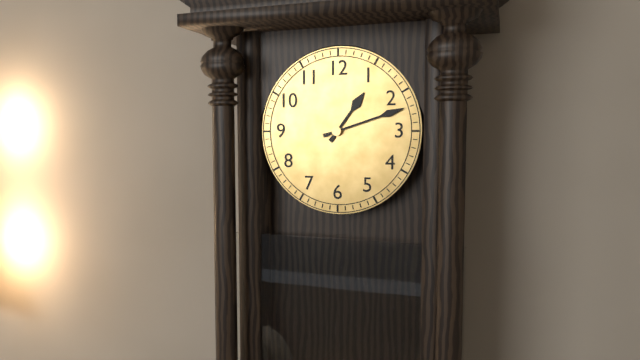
1:12
